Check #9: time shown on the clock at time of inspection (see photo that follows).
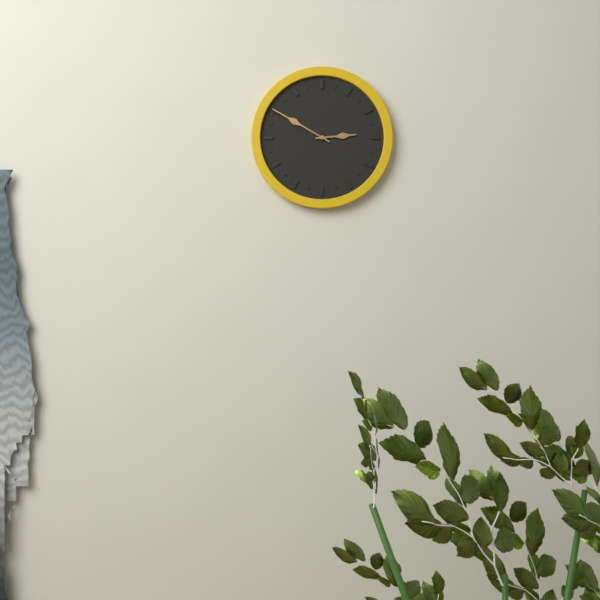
2:50
